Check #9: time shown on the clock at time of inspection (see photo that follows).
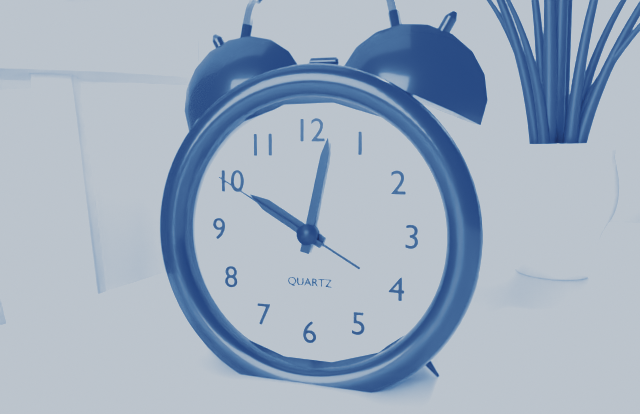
10:02:50
